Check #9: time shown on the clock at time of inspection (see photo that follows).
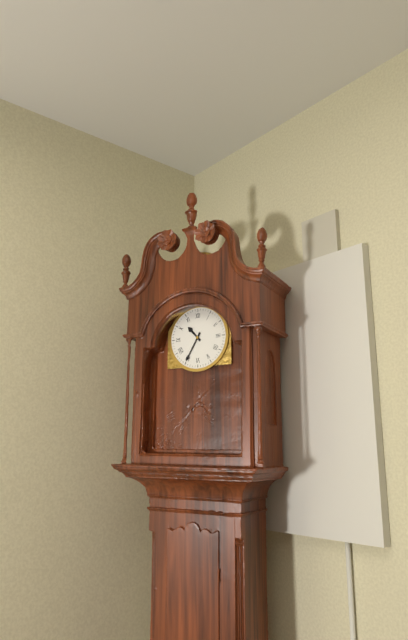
10:35
